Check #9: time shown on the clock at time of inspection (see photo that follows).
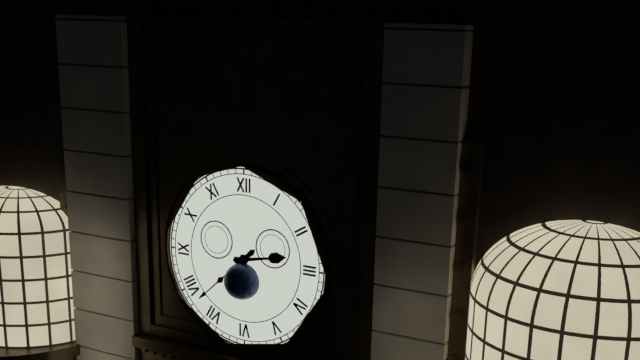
2:38
